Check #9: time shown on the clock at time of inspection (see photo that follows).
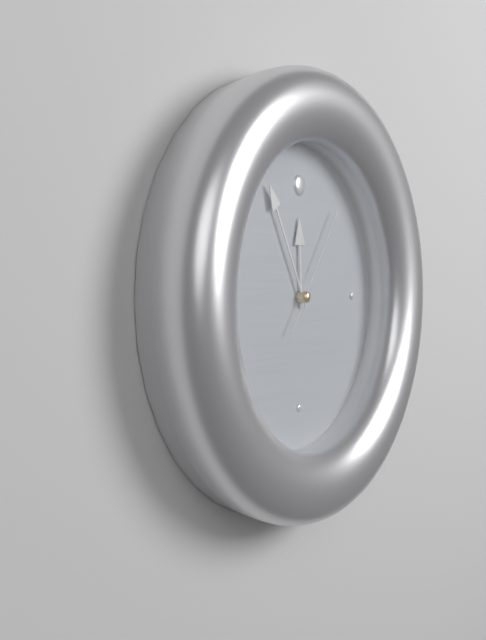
11:55:06
